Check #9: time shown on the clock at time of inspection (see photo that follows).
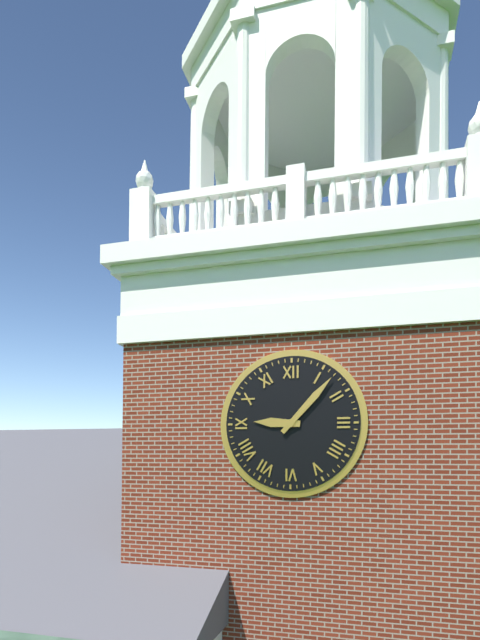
9:07
